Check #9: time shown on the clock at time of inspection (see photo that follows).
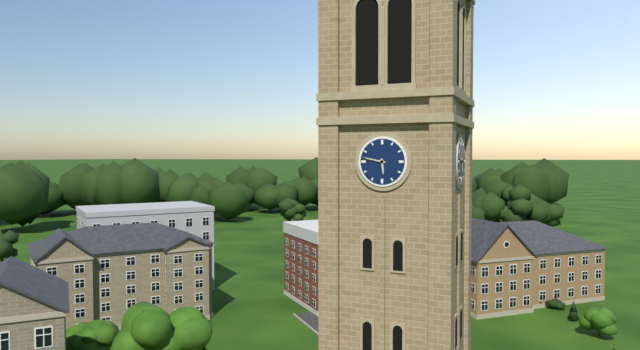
5:47
